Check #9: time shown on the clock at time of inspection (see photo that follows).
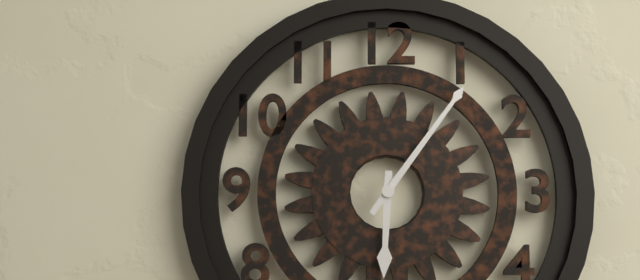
6:06
